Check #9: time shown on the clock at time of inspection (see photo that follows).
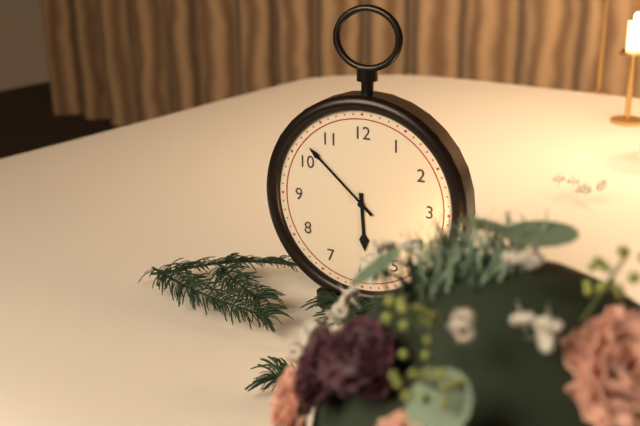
5:52
